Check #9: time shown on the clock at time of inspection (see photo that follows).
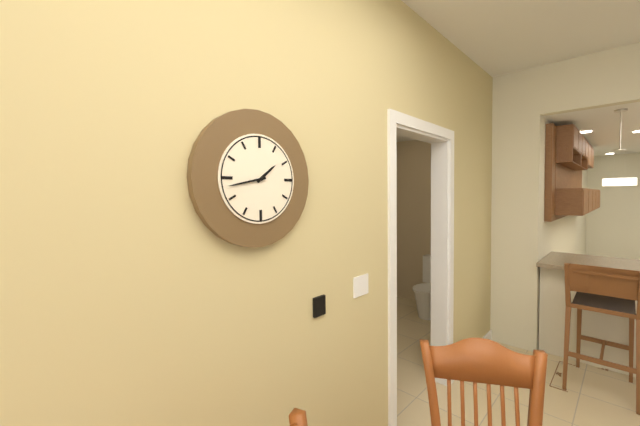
1:43
